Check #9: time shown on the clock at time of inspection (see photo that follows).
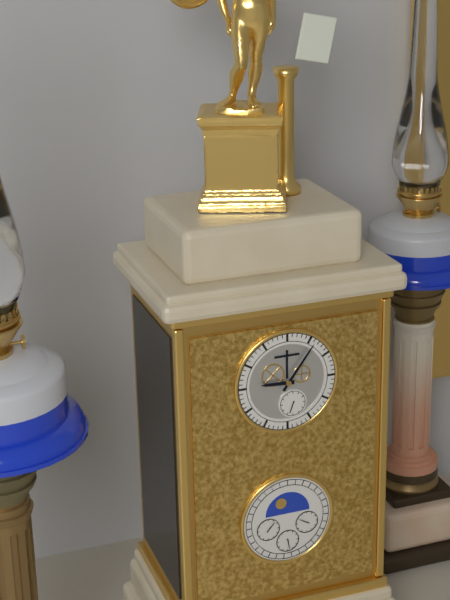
9:06
